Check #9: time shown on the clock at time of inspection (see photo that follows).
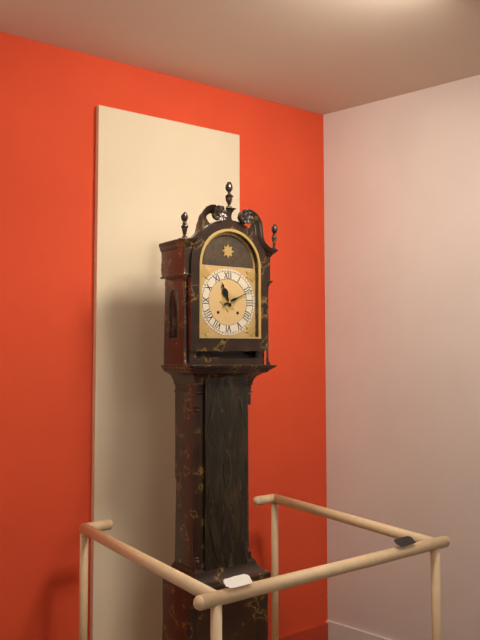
11:11
